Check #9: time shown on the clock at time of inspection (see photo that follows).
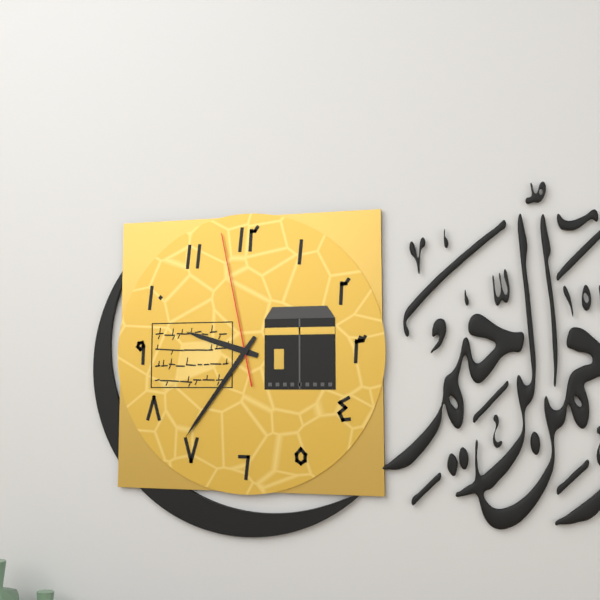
9:36:58
